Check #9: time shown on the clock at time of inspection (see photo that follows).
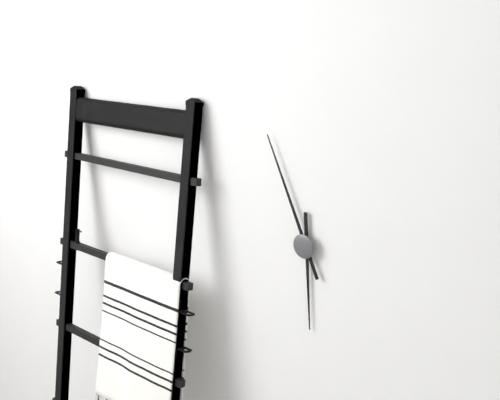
5:56
